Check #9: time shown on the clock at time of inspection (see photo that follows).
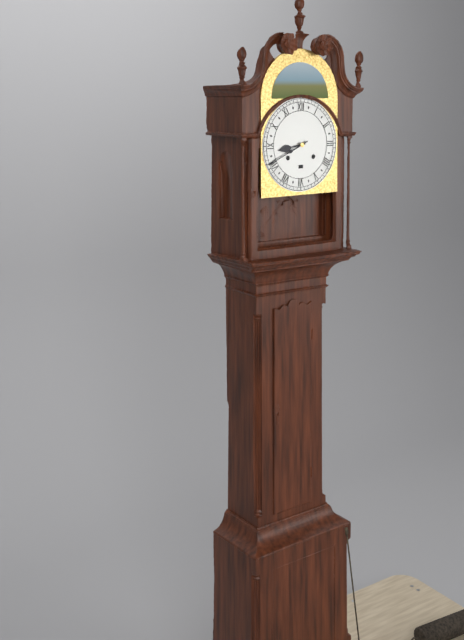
8:41
